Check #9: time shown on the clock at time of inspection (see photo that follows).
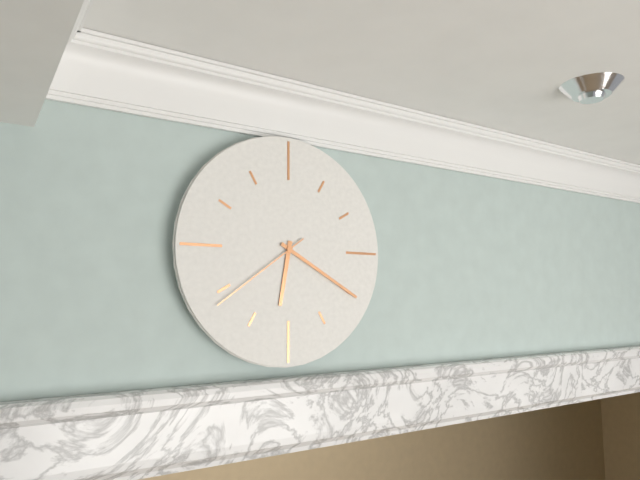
6:20:39
